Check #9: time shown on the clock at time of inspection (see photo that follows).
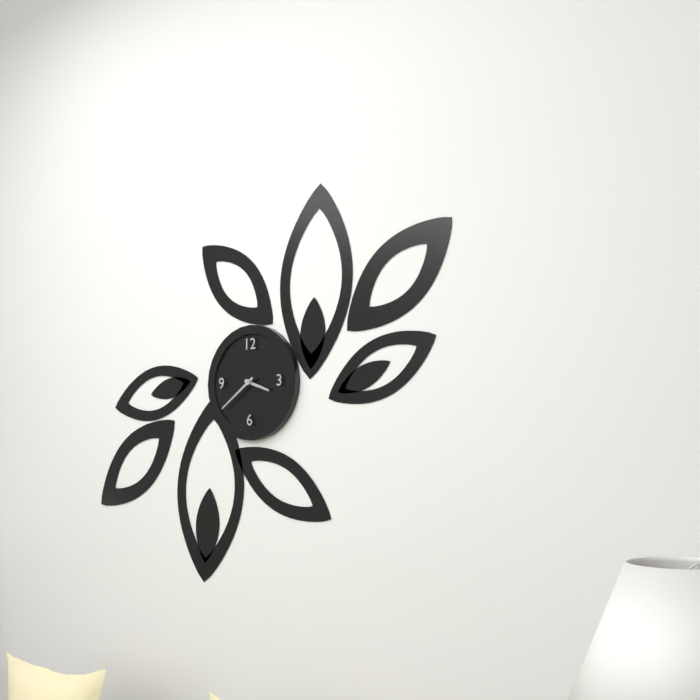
3:39
